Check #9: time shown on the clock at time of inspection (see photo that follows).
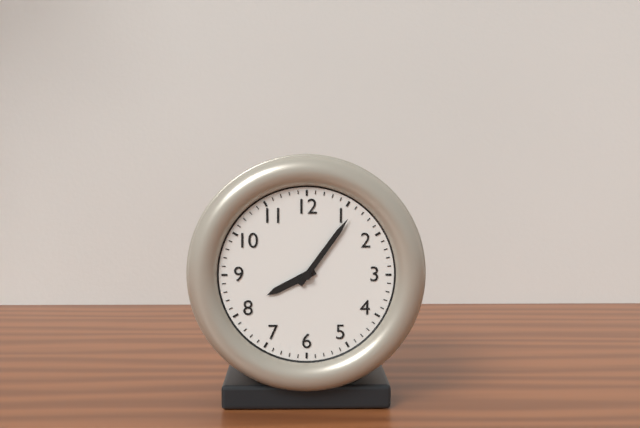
8:06
